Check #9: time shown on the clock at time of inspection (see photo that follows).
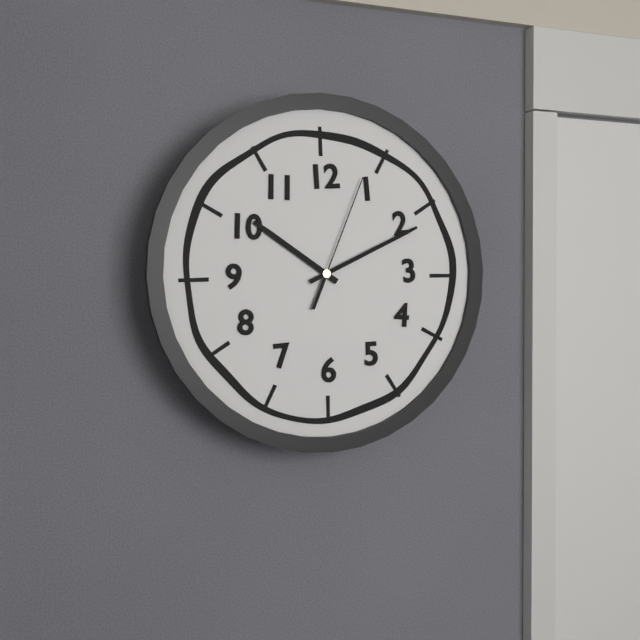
10:11:04
